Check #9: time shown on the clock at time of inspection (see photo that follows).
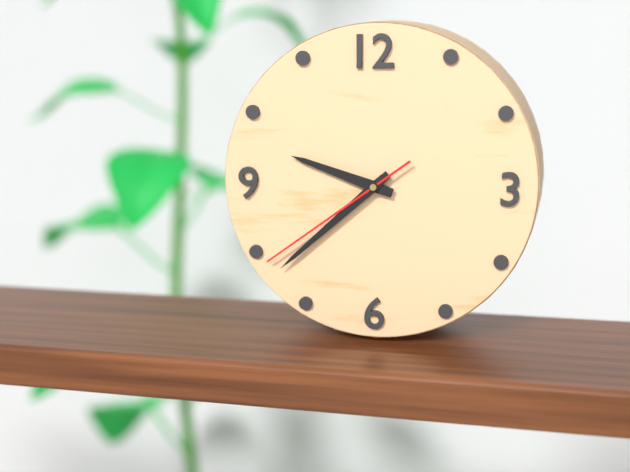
9:38:39
